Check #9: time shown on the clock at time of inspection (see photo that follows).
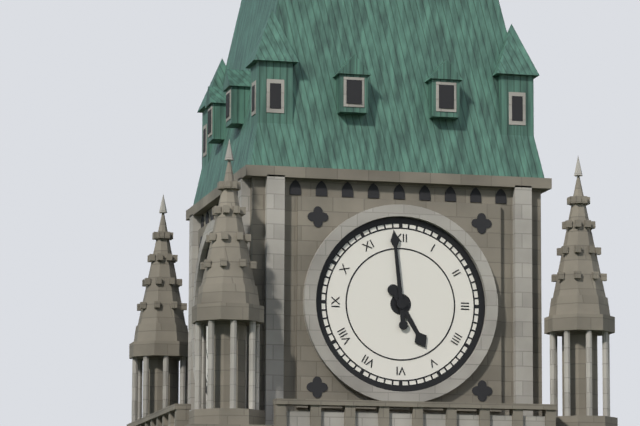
4:59
